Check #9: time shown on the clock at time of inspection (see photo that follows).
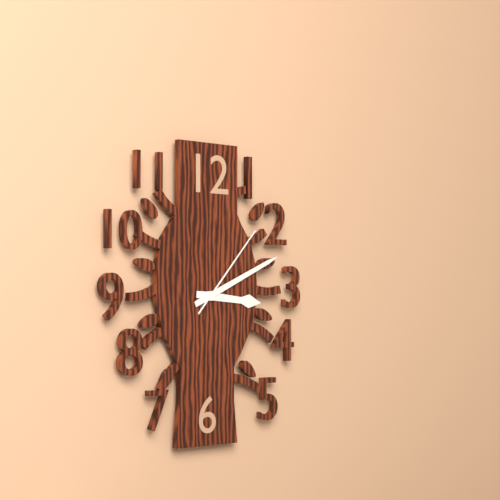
3:11:07
